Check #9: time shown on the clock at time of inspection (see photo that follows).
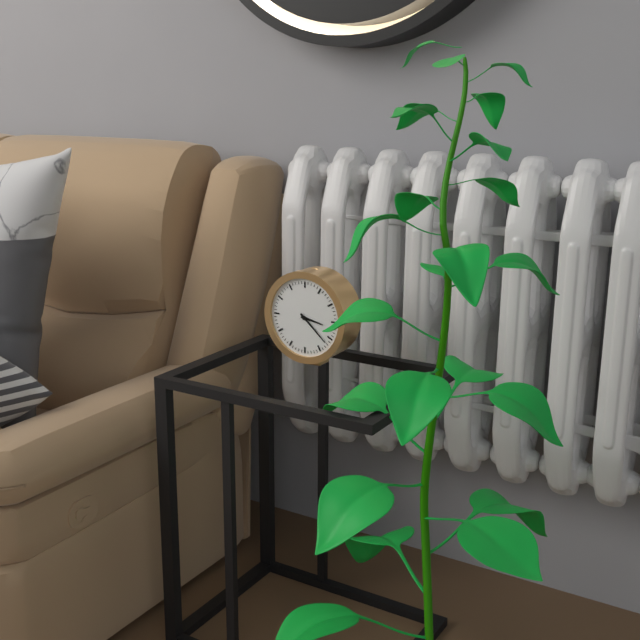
3:22
